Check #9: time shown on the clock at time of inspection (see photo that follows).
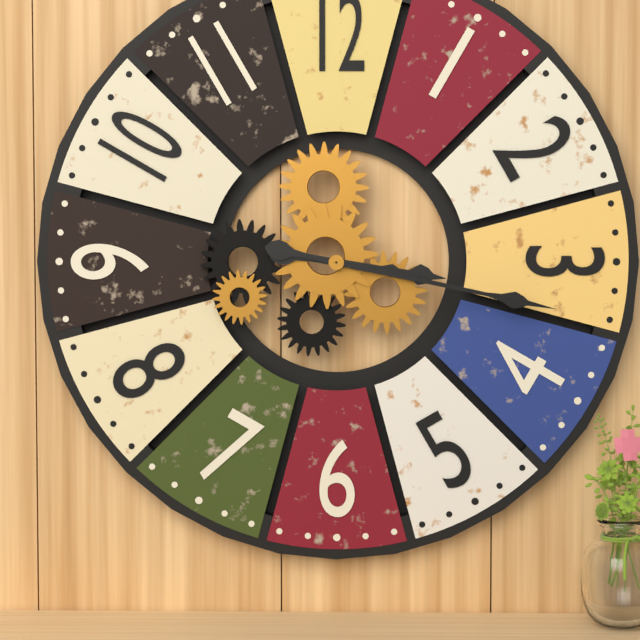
3:17
